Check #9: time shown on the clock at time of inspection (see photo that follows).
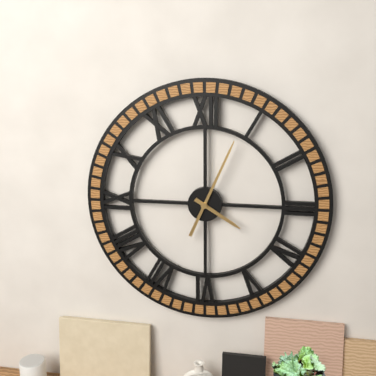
4:04
